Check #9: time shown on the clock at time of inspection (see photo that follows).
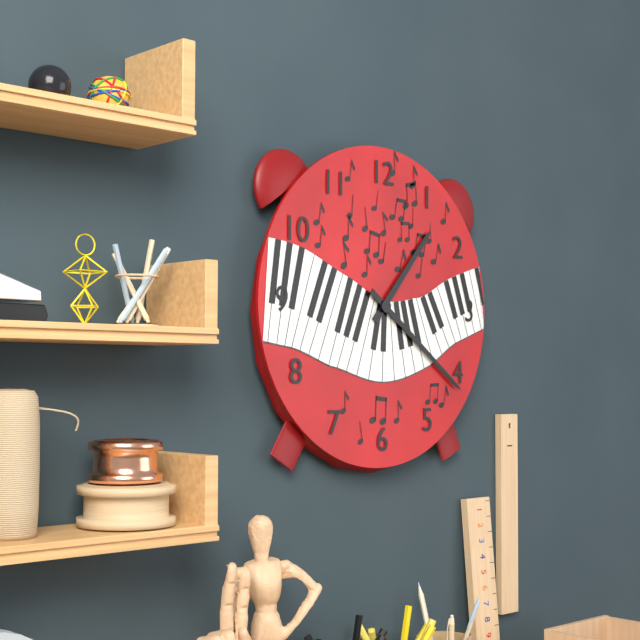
1:21
